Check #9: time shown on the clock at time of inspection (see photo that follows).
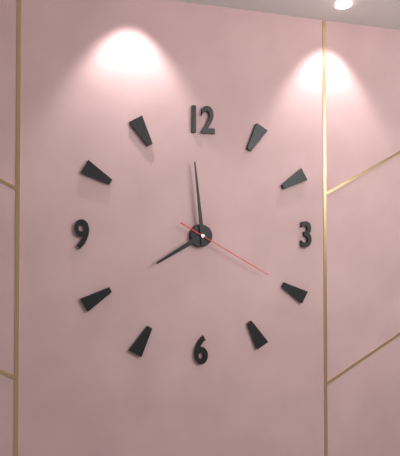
7:59:20
